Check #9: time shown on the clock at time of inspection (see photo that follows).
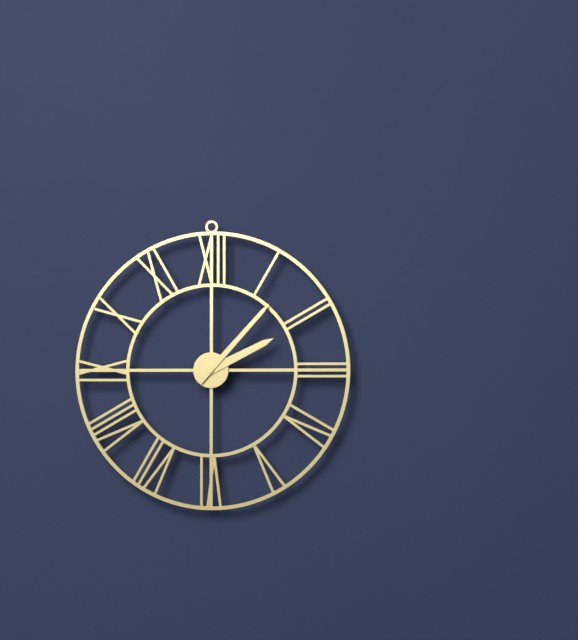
2:07
